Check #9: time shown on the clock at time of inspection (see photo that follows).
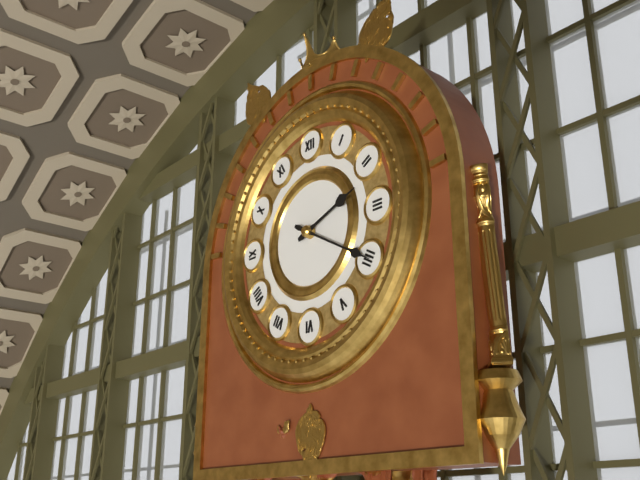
2:20
